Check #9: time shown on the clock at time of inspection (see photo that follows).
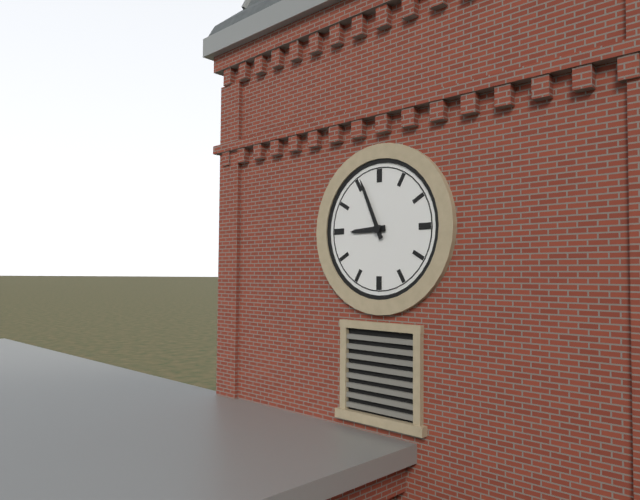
8:56
